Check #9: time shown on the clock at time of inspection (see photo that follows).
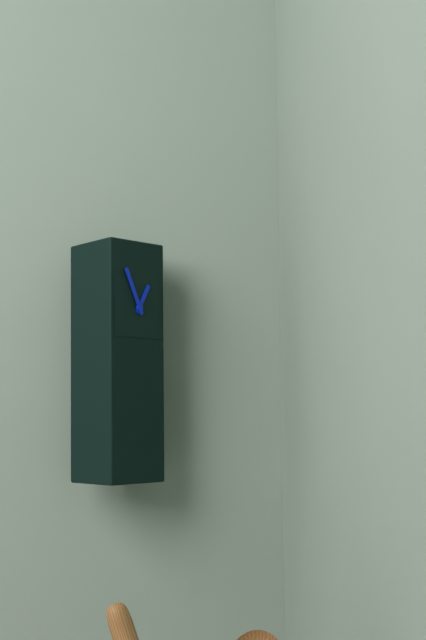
12:56
